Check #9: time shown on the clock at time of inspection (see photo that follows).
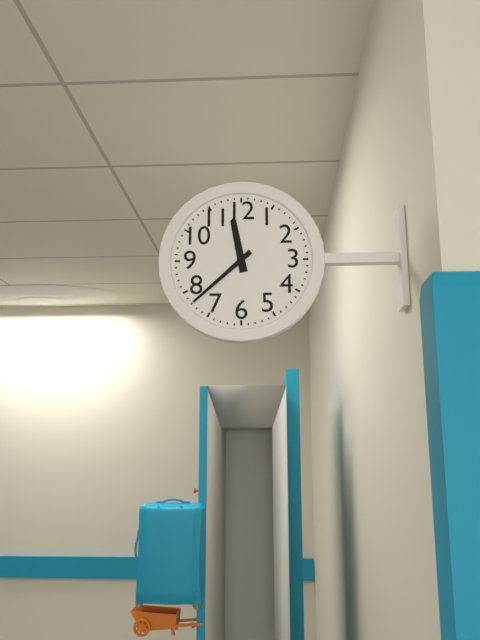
11:38
